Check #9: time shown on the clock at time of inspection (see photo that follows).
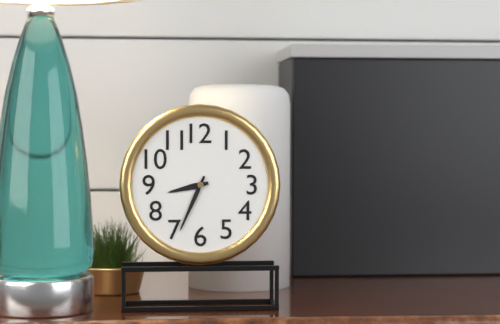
8:34
